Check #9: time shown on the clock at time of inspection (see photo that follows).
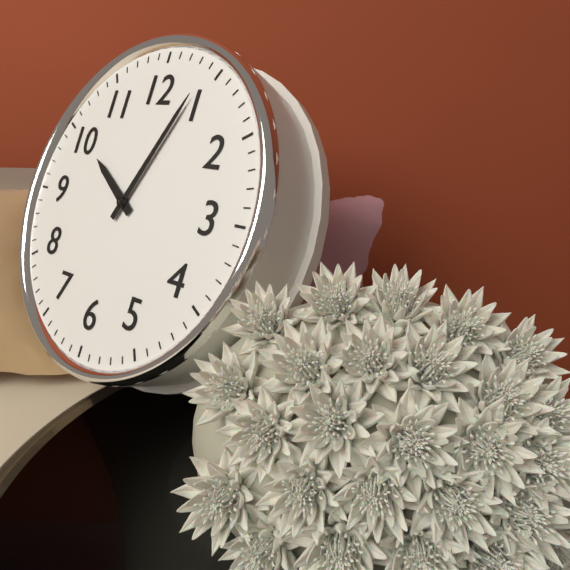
10:04
